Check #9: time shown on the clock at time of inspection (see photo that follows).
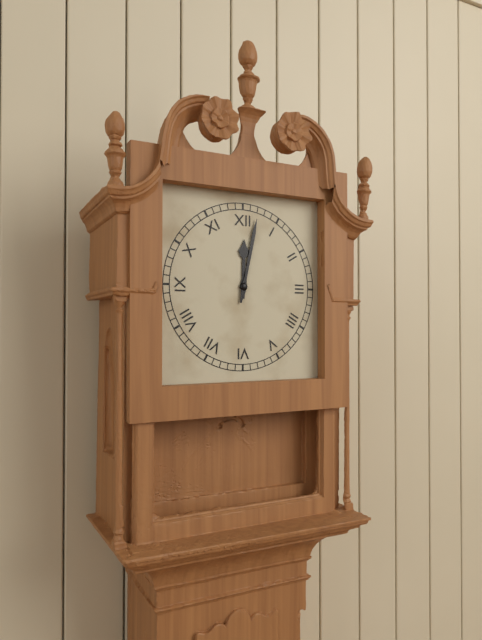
12:02
